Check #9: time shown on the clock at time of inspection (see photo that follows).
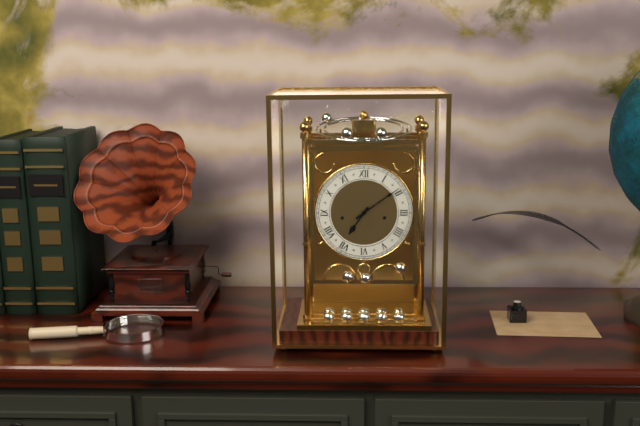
7:09
